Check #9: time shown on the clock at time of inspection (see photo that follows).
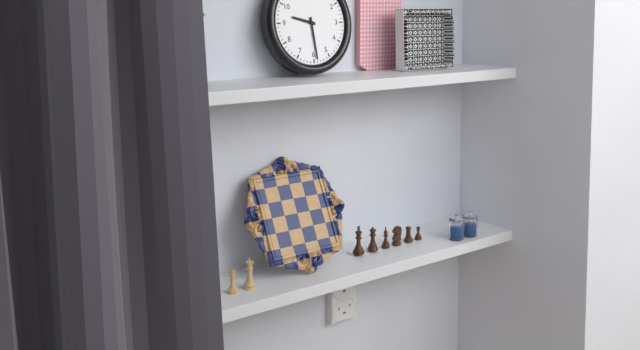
9:29
